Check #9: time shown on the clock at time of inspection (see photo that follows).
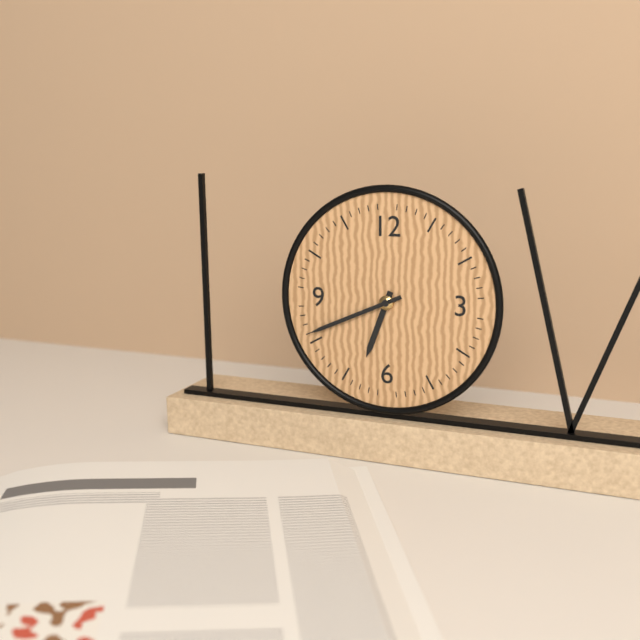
6:41
